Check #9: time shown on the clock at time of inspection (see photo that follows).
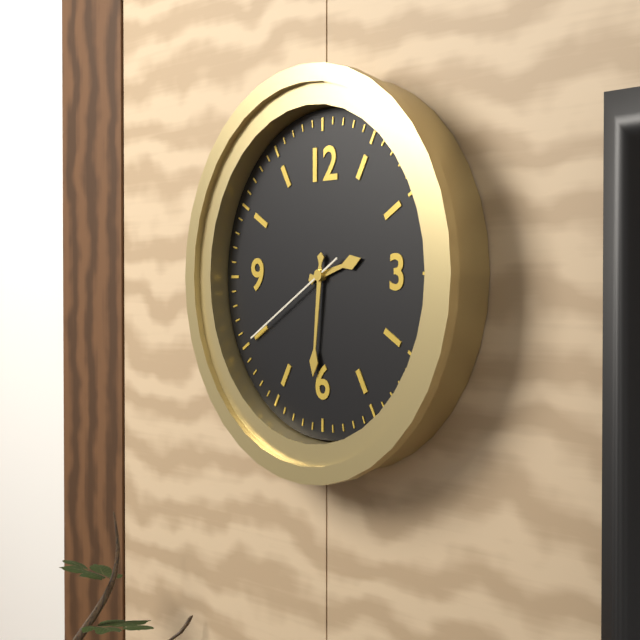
2:31:40
